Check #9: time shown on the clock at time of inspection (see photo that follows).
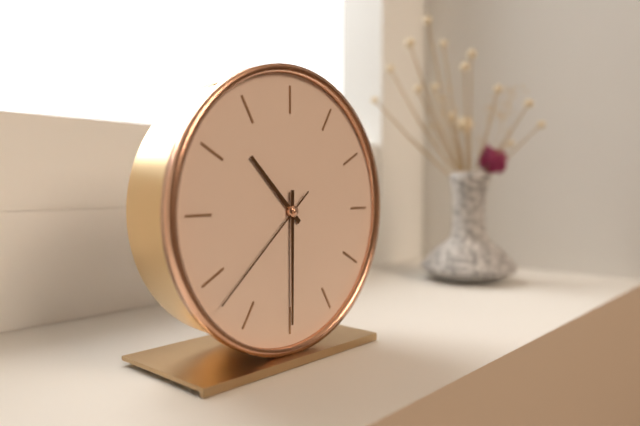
10:30:38
